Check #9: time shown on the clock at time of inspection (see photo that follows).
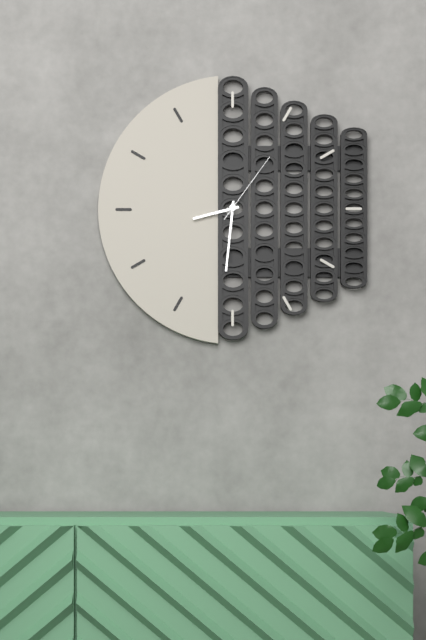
8:31:06
